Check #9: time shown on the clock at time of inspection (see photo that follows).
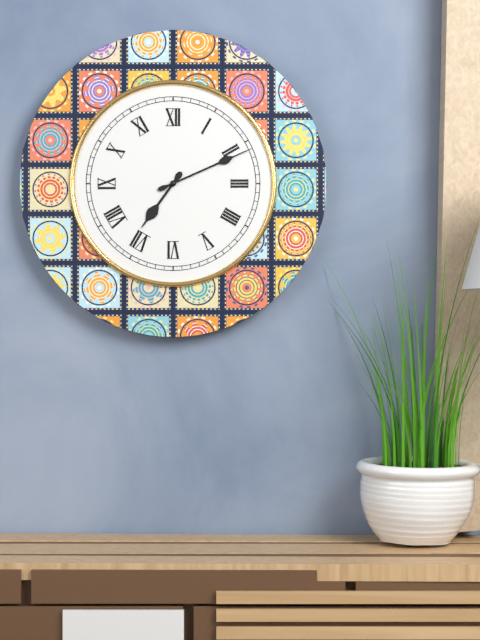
7:11
